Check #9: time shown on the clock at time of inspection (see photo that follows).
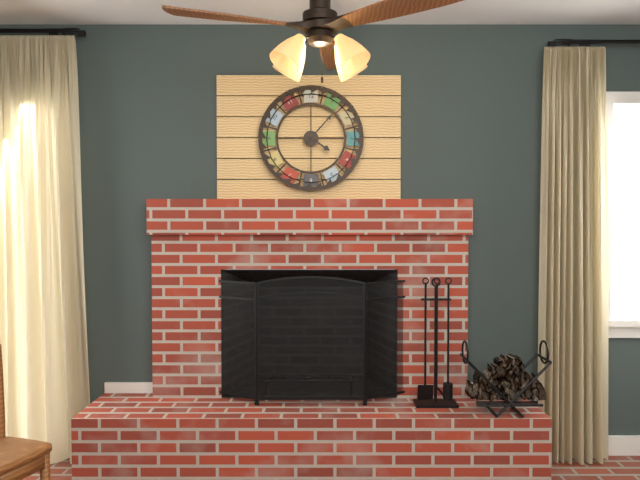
4:07
